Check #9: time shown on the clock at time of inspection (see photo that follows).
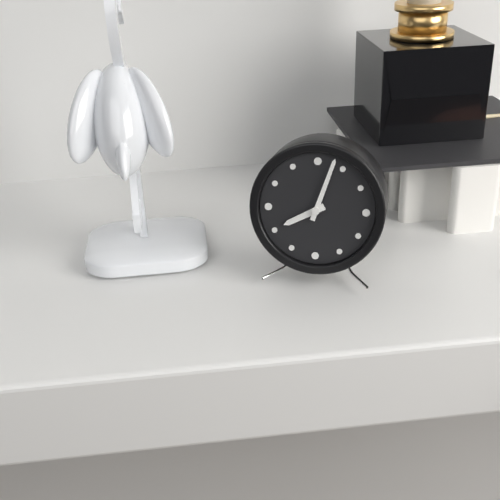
8:03
